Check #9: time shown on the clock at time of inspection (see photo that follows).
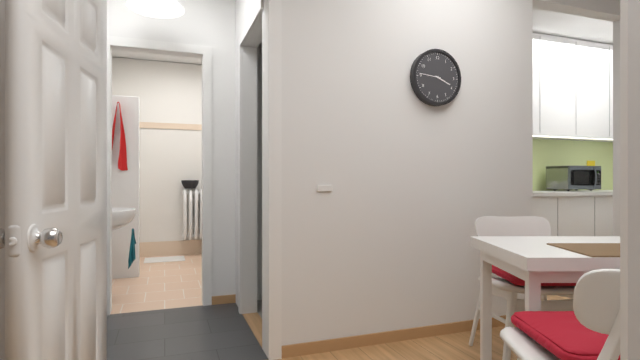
3:46
